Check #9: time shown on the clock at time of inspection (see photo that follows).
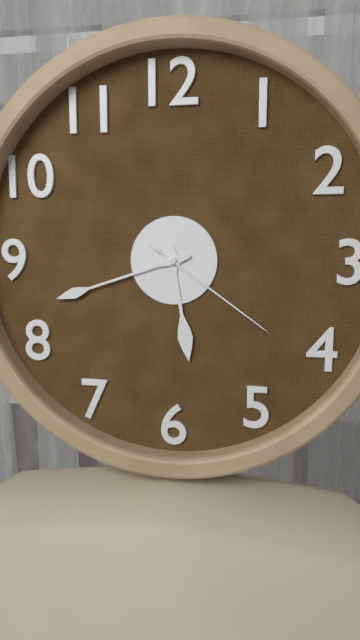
5:42:21
